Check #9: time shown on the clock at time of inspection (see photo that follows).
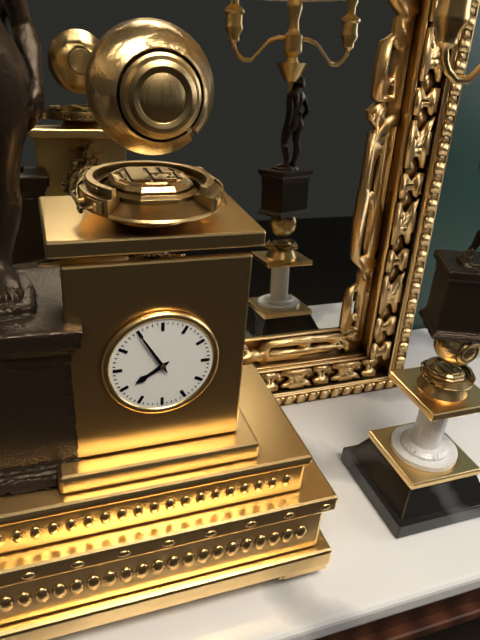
7:55
